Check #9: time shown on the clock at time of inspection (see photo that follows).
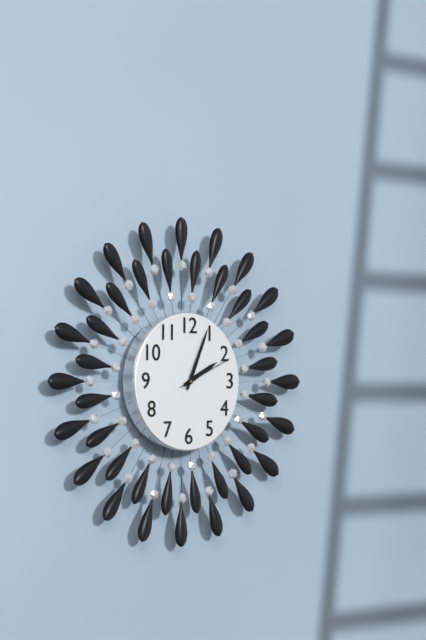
2:04:11
